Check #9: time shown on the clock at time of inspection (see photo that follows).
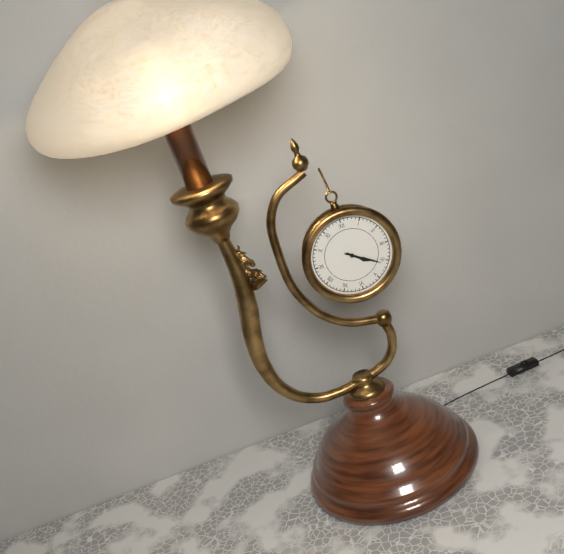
4:21
